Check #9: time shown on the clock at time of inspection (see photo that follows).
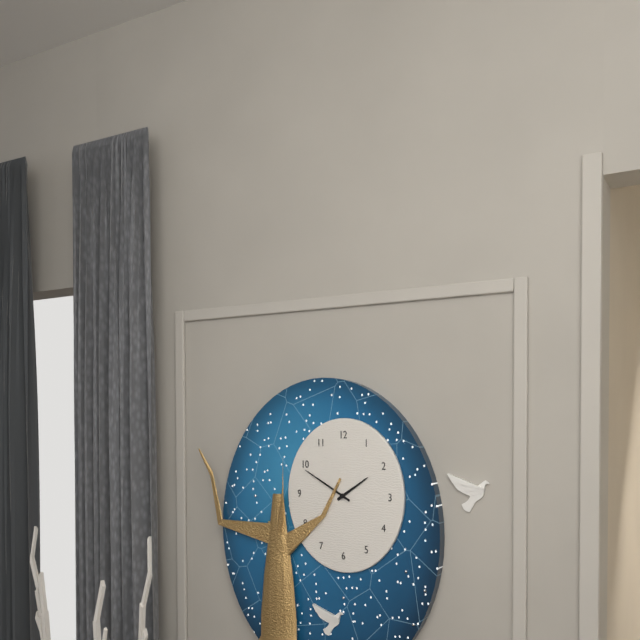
1:50
